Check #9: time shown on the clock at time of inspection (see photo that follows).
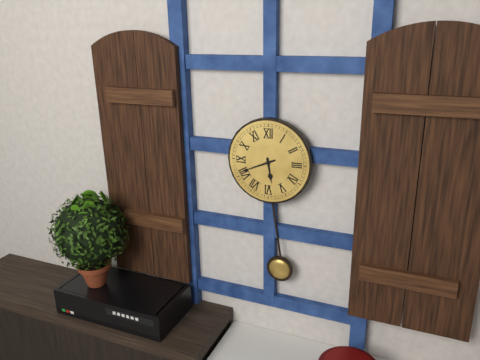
5:41
